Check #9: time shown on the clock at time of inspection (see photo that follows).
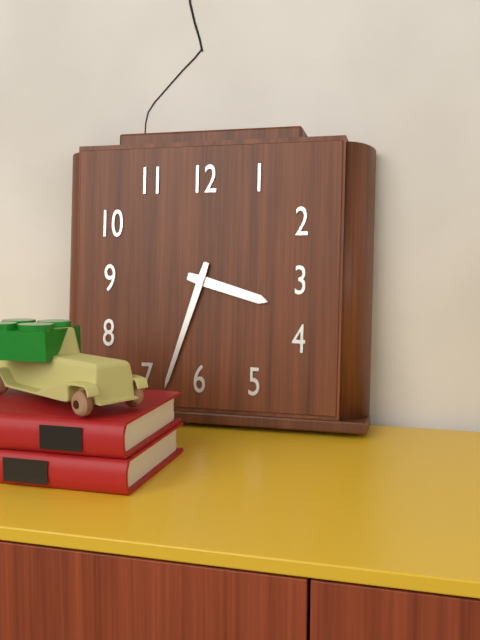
3:33
